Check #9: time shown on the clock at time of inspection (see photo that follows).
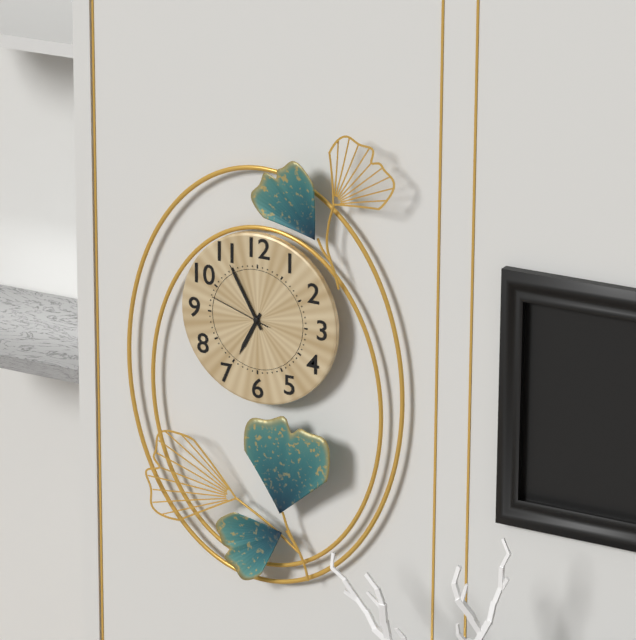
6:55:48
